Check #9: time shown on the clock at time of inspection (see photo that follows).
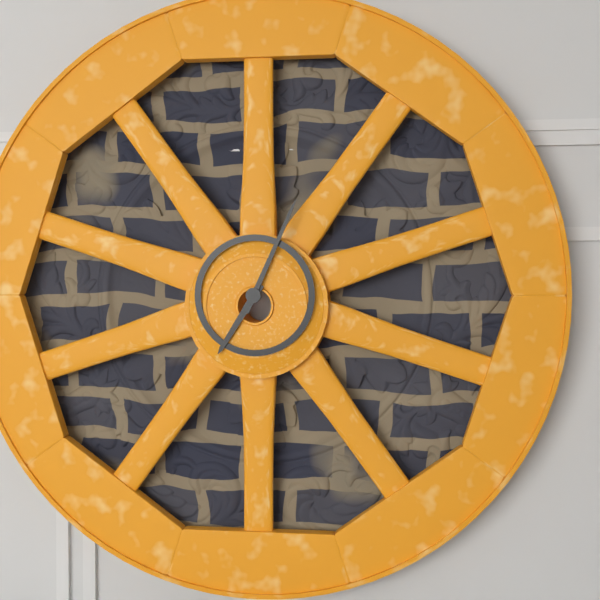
7:04
